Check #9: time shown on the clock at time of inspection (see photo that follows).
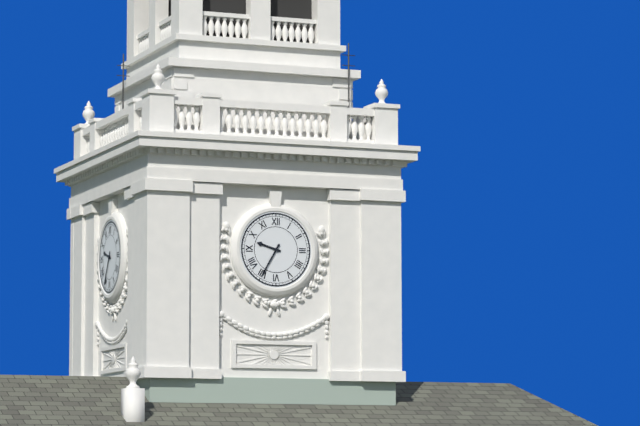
9:35
